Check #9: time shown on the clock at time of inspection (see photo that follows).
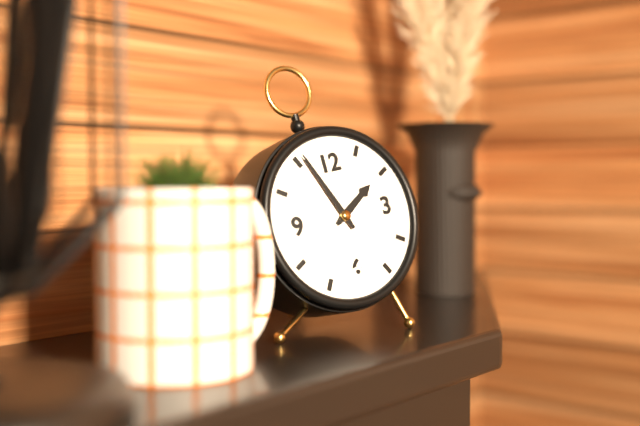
1:56
